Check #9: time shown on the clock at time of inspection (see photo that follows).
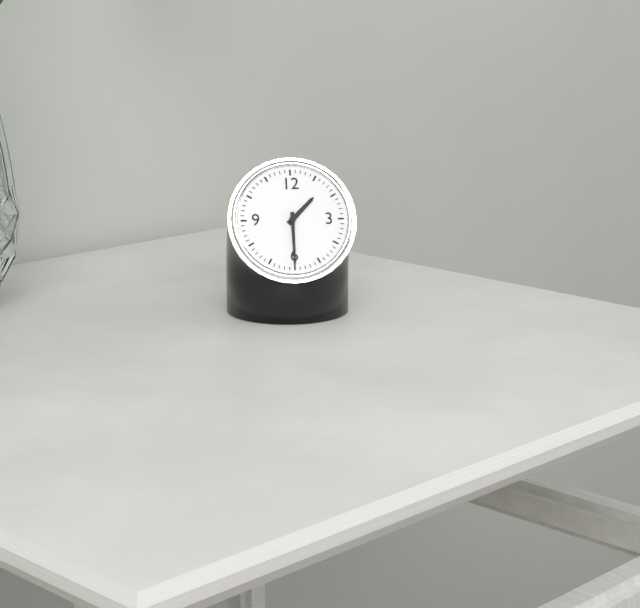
1:30
